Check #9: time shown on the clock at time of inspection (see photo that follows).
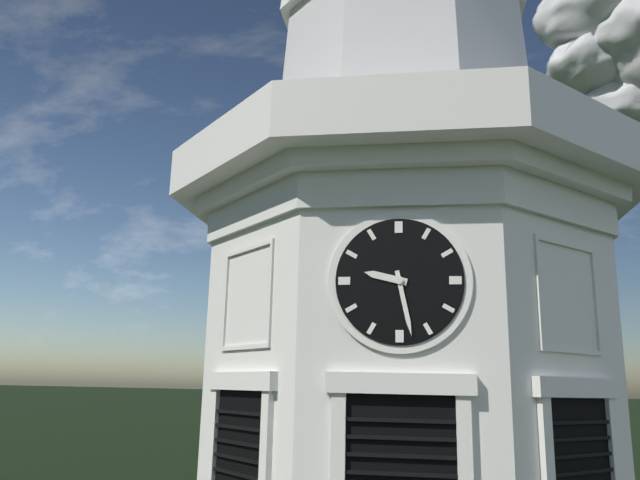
9:28
